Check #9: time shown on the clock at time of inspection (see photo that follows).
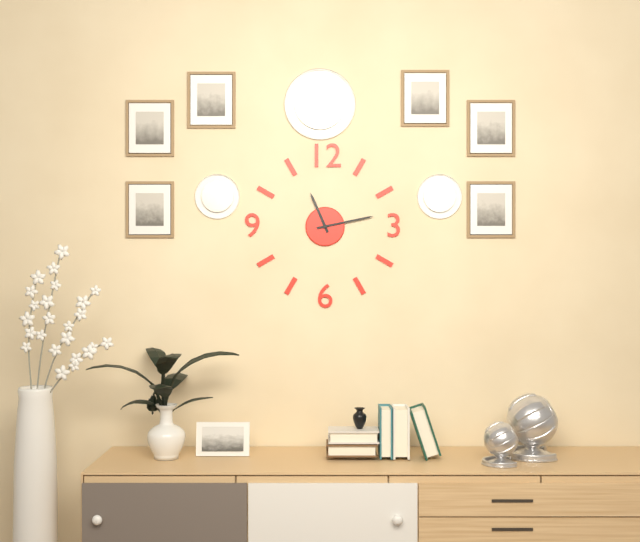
11:13
